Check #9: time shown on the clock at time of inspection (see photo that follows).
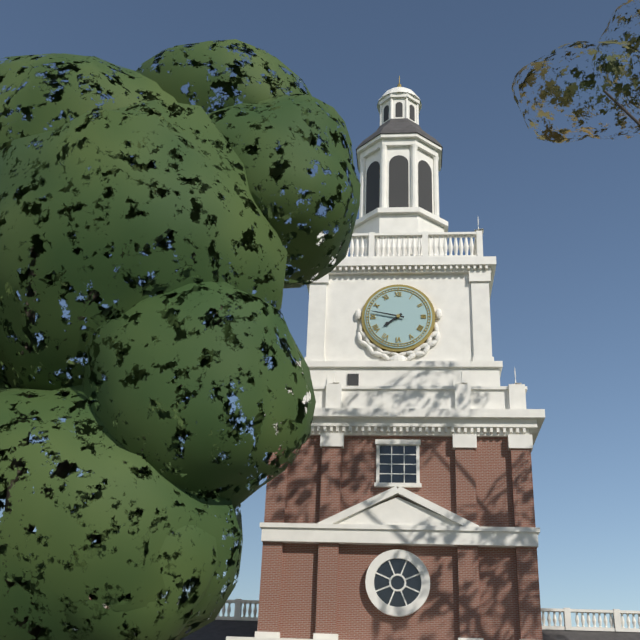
7:47
